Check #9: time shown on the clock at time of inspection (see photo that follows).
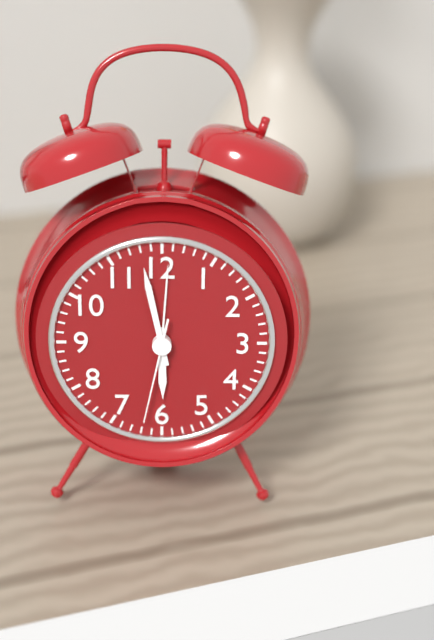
5:58:32
